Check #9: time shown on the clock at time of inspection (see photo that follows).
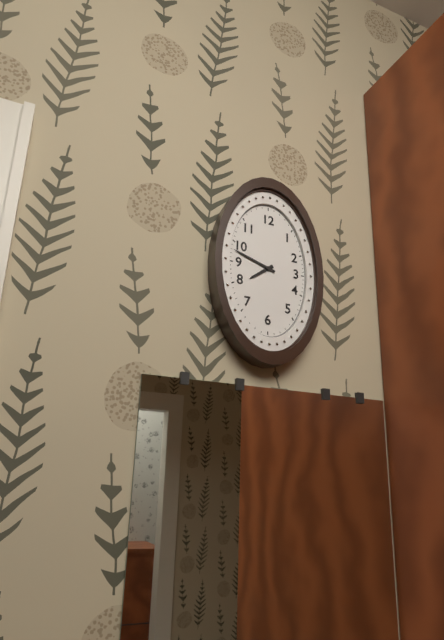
7:48
